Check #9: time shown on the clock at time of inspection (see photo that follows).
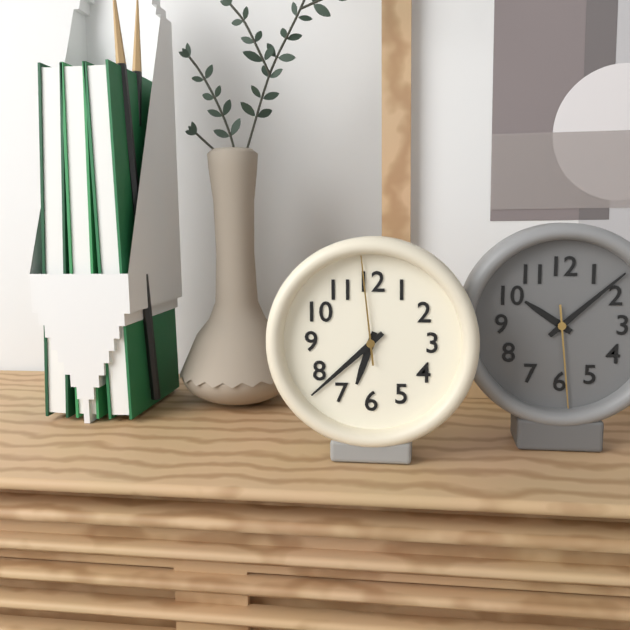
6:38:59
